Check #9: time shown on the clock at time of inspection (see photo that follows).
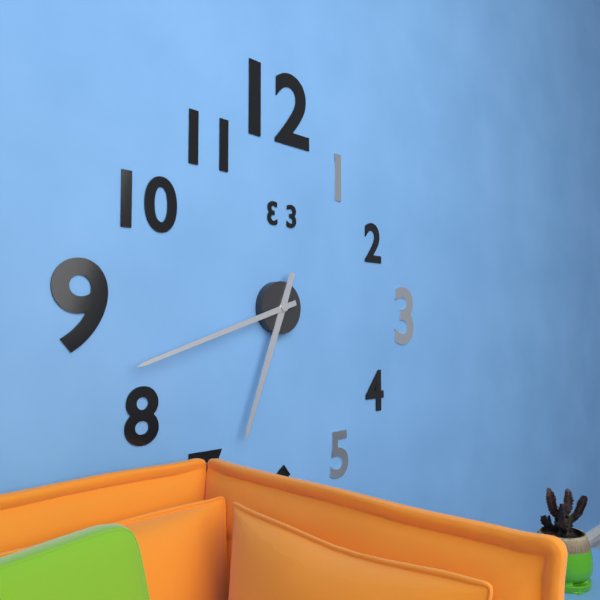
6:42
